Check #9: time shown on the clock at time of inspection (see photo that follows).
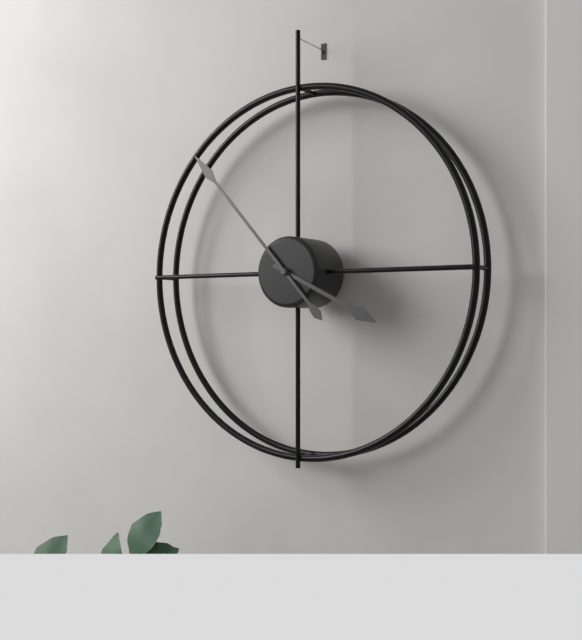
3:53
